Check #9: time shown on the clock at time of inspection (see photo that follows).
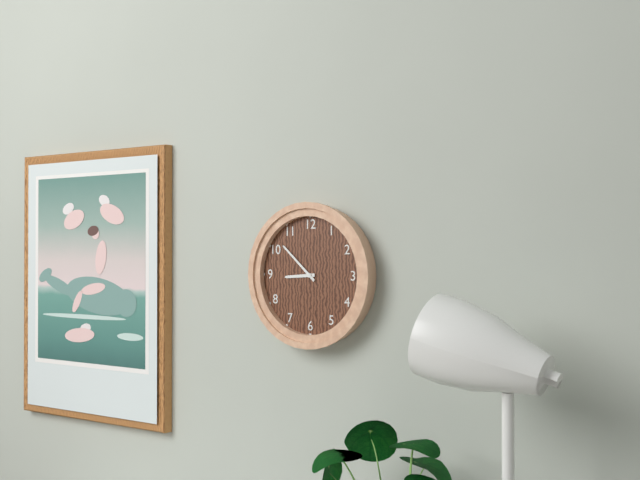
8:52
